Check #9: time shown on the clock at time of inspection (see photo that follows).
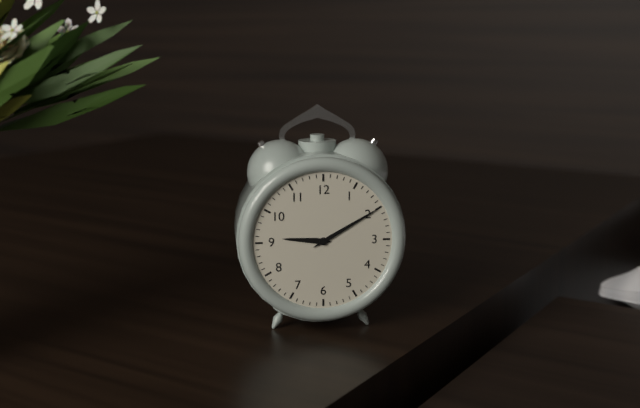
9:10
